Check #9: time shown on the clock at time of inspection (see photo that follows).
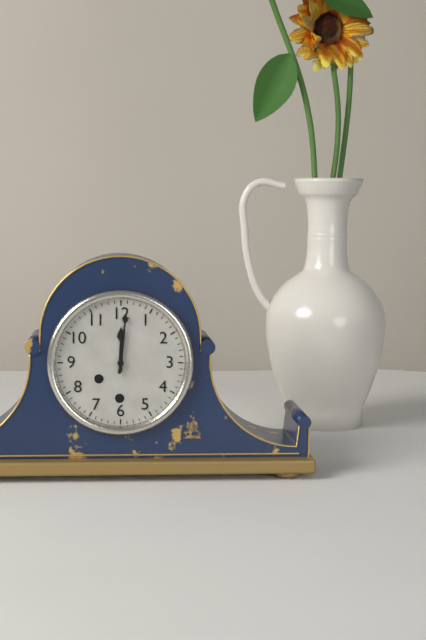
12:01
